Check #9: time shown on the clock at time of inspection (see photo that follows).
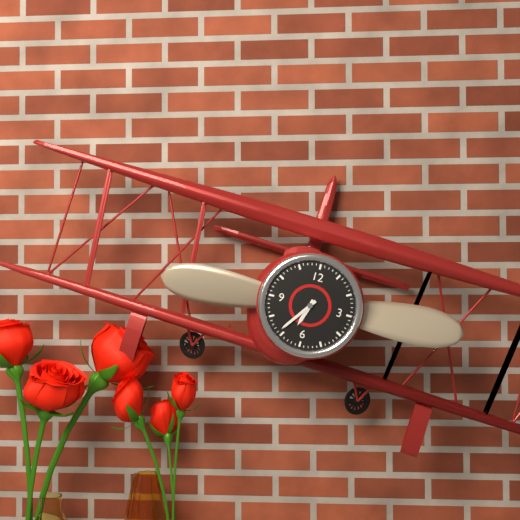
6:36
